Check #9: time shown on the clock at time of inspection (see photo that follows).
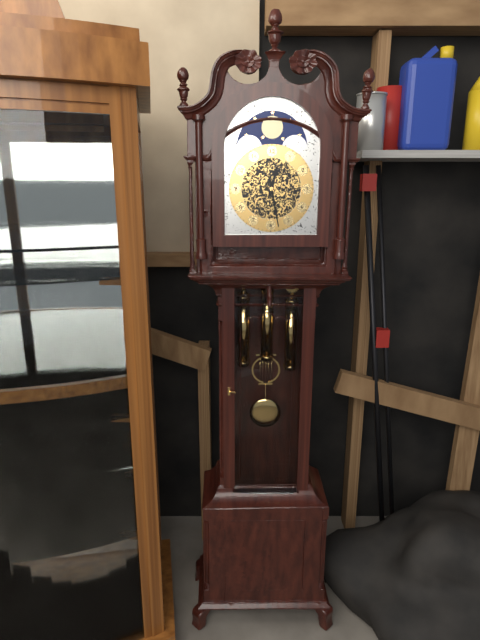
12:28
